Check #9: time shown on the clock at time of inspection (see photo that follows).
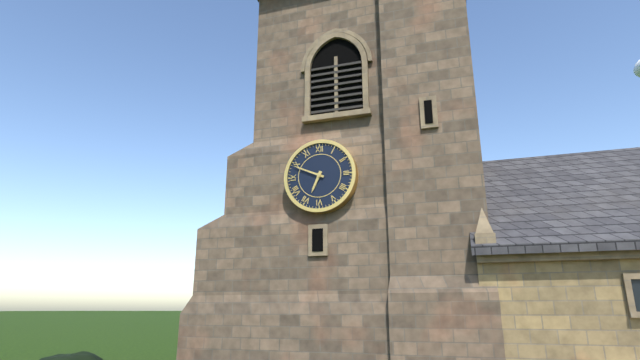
6:49
